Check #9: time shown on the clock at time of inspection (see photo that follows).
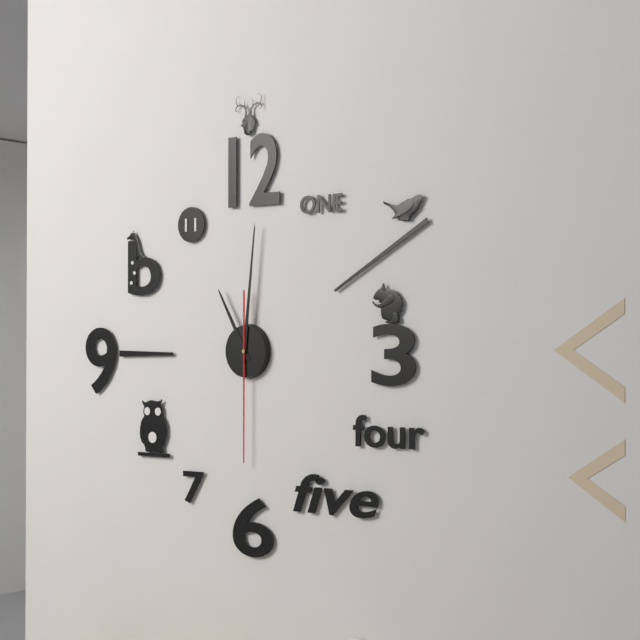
11:01:30
